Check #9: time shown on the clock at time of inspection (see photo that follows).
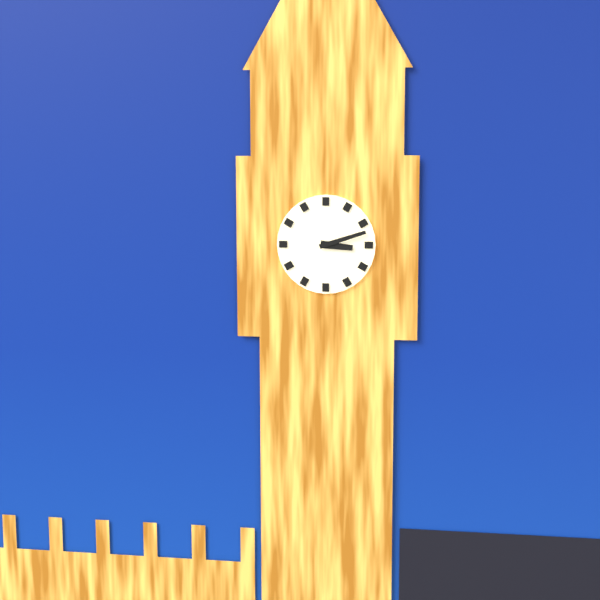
3:12
